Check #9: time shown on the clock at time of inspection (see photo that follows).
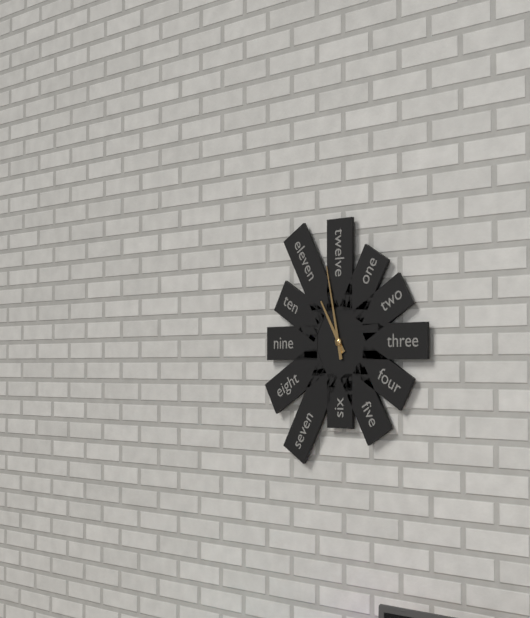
10:58
